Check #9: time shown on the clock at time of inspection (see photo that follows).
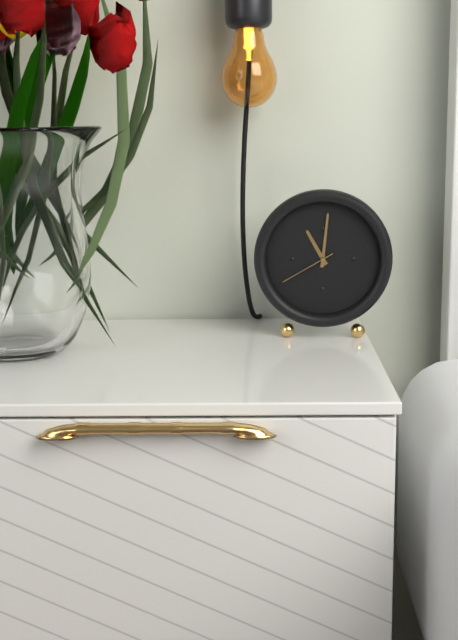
11:01:40
